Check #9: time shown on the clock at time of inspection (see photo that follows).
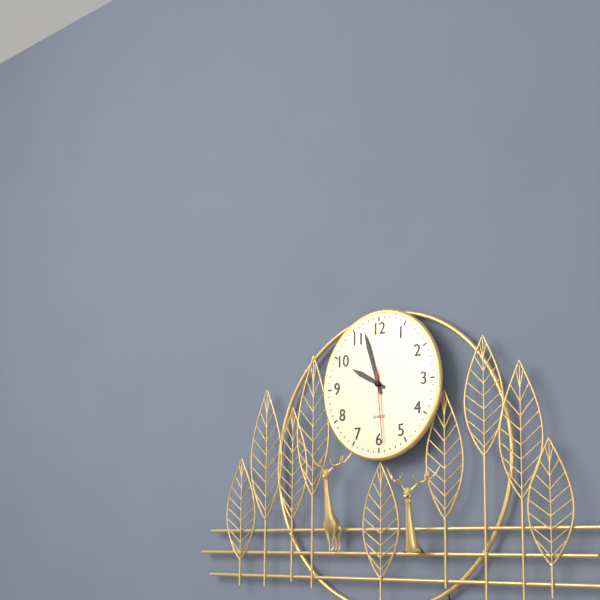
9:57:29
